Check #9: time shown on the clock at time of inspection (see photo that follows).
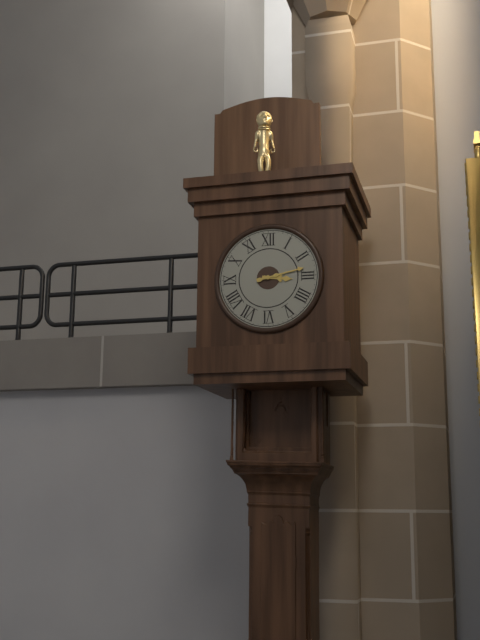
3:13
